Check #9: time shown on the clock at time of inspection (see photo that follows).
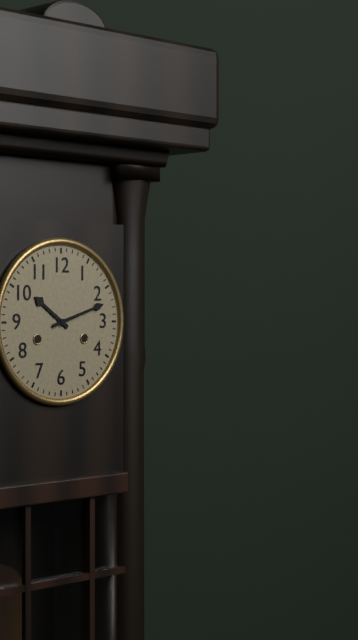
10:12
